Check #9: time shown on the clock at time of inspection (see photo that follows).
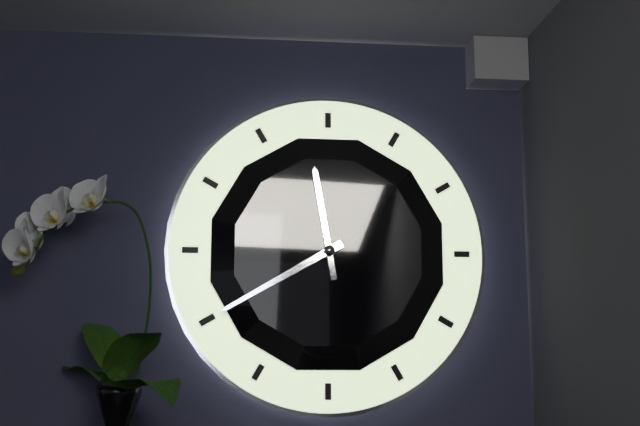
11:40
